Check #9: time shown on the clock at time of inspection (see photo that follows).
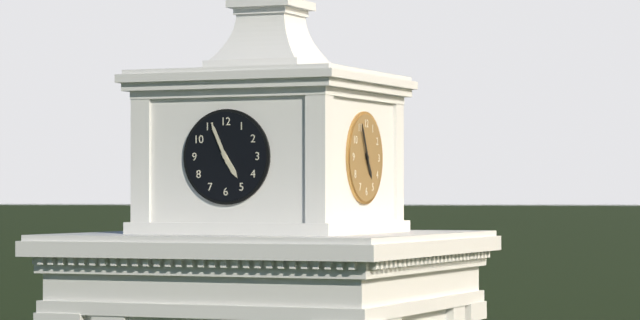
4:56
